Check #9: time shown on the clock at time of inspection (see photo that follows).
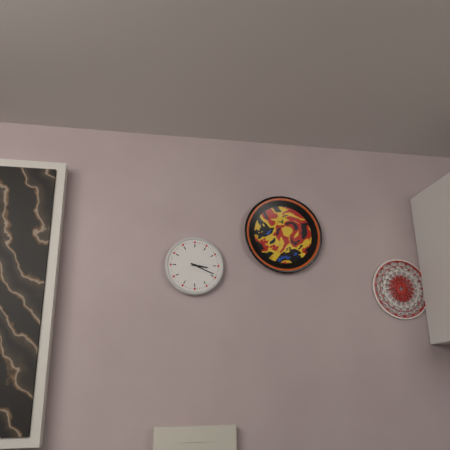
3:19
